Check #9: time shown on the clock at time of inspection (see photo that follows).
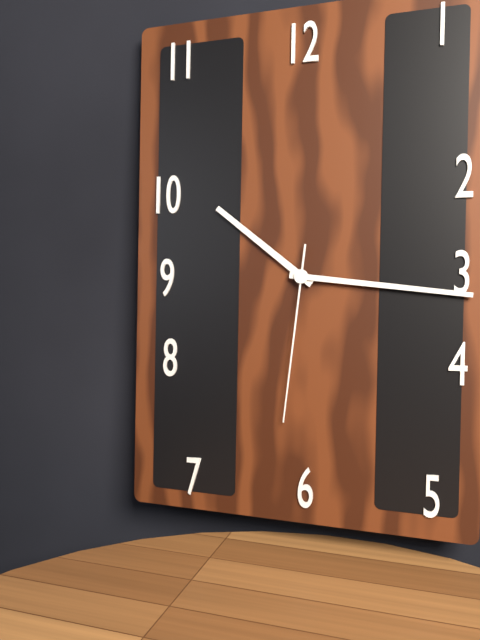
10:16:31
